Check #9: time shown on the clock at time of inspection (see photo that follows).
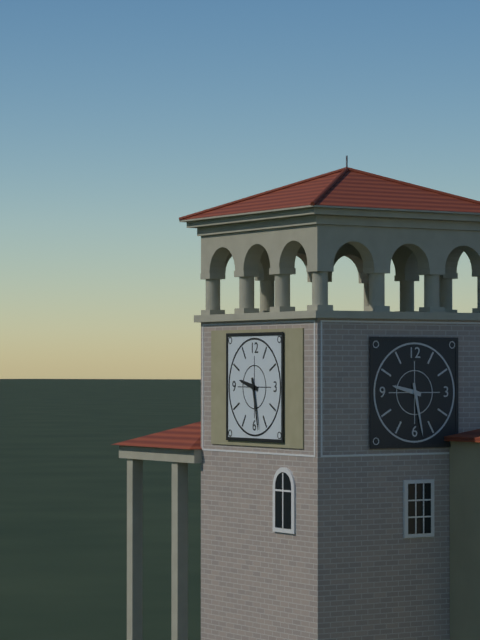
9:28
